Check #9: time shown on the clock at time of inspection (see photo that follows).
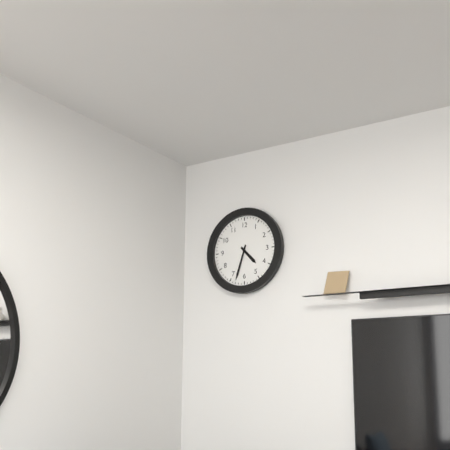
4:33
